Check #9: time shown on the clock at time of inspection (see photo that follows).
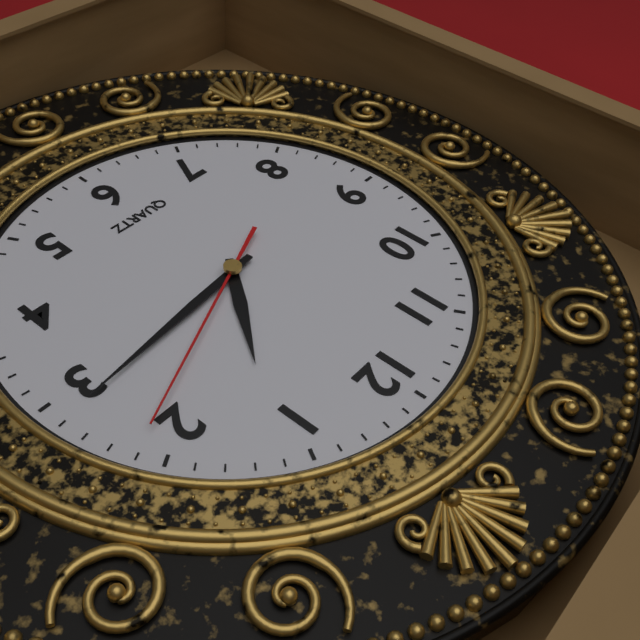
1:14:11
